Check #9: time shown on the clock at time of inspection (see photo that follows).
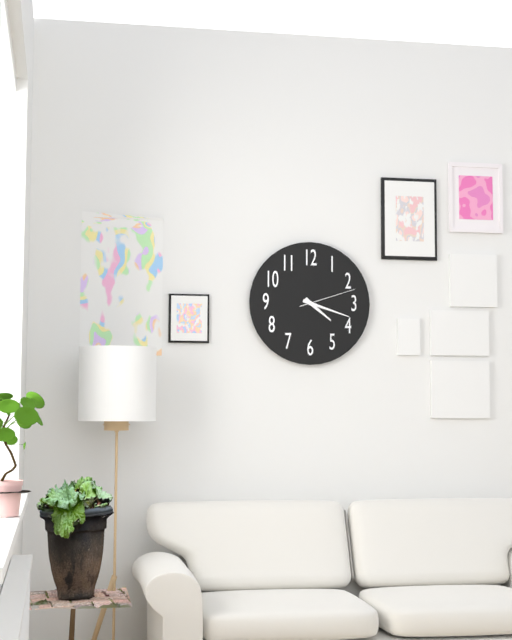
4:18:12
